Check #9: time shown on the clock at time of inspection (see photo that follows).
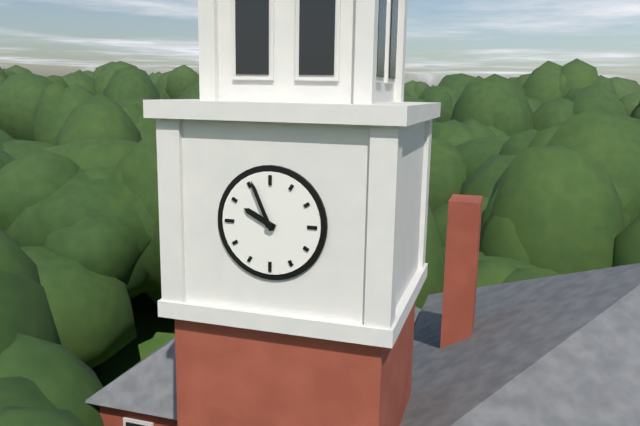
9:56
